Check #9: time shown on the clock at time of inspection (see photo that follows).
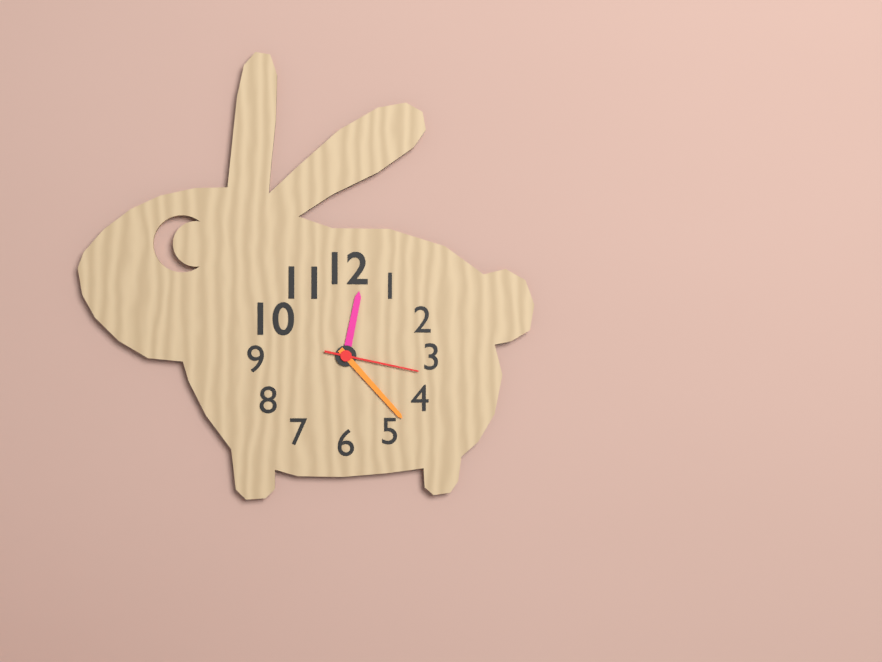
12:23:17
